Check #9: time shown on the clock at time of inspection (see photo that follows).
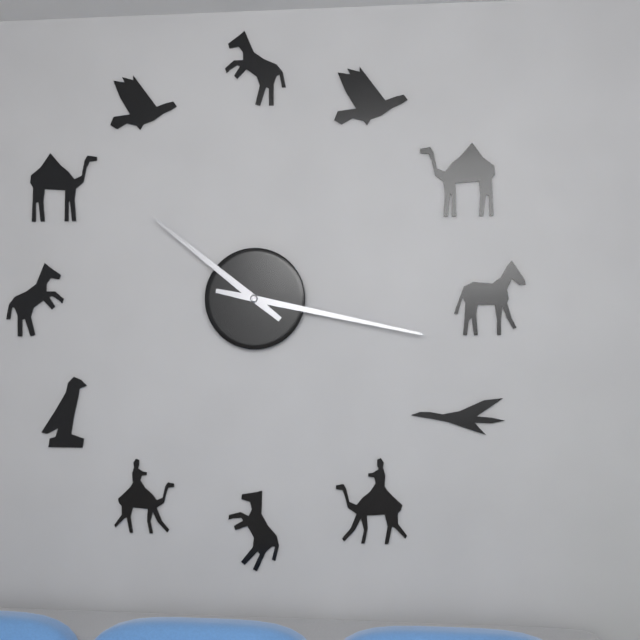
10:17
